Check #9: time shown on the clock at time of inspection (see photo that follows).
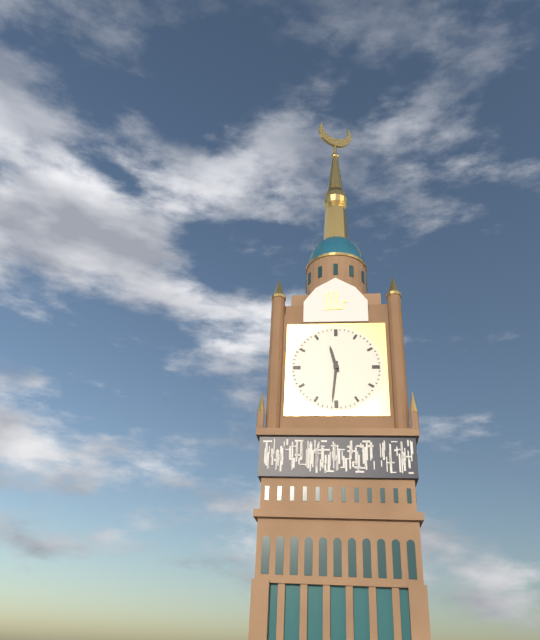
11:31
